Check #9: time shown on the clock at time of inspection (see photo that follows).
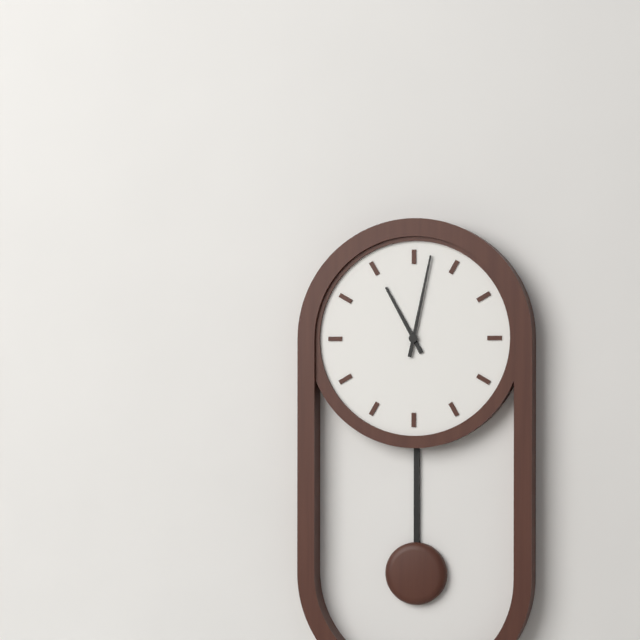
11:02
